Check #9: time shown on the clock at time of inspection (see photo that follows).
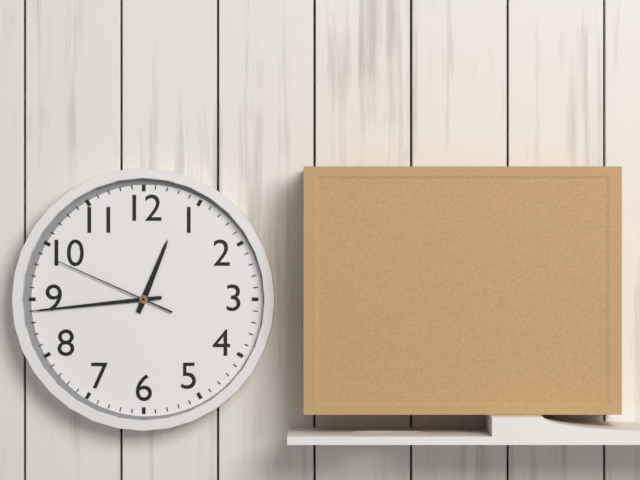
12:44:49
